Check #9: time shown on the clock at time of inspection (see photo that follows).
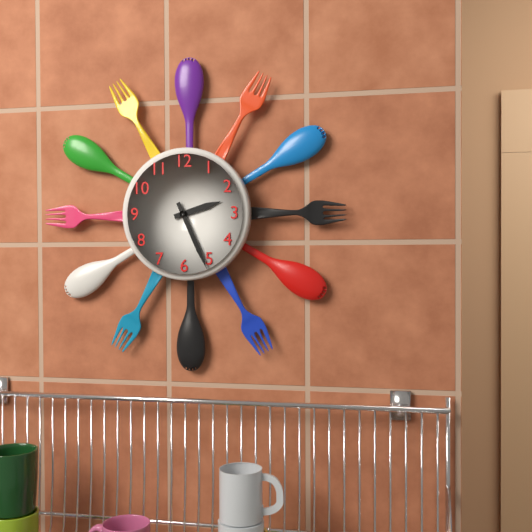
2:26
